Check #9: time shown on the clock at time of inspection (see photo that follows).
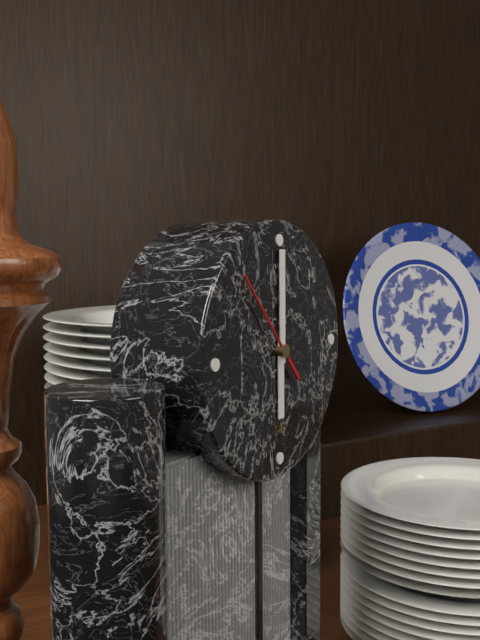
6:00:53
